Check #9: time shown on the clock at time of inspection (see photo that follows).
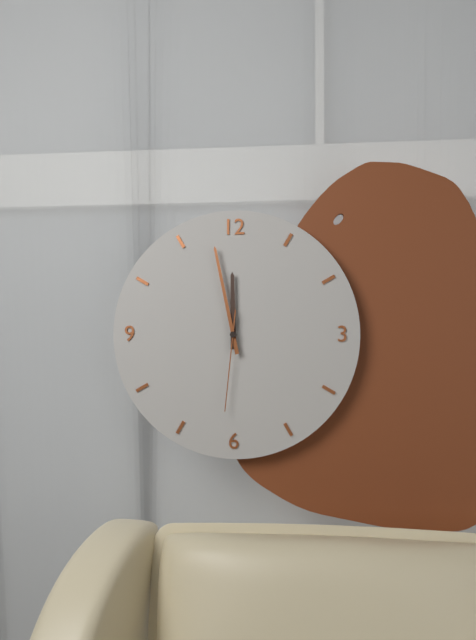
11:58:31
